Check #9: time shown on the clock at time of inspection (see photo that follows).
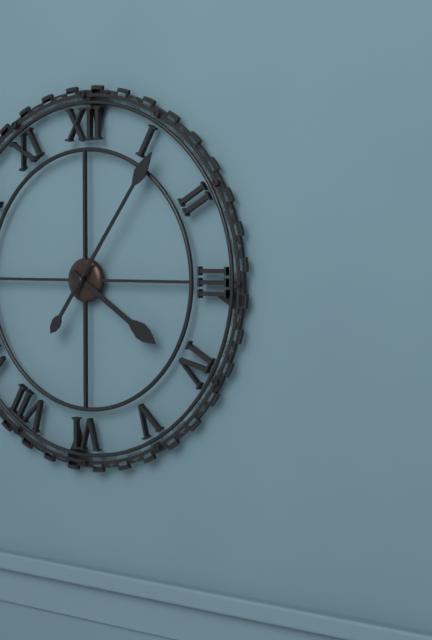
4:06
